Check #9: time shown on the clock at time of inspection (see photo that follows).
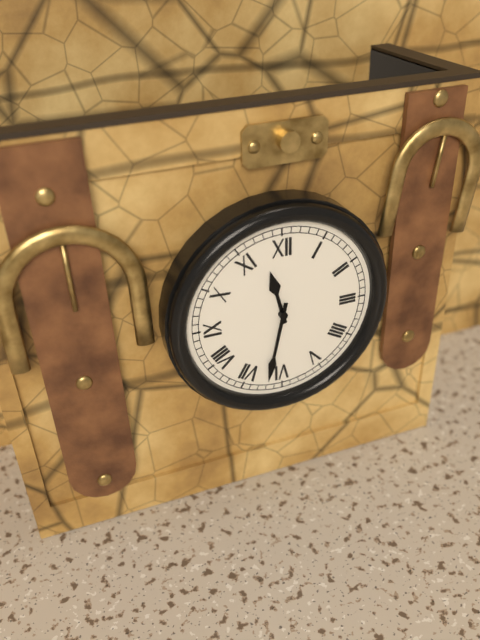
11:32
